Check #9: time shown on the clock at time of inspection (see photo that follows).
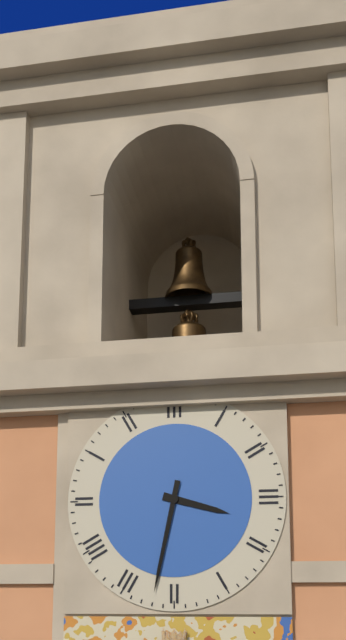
3:32
